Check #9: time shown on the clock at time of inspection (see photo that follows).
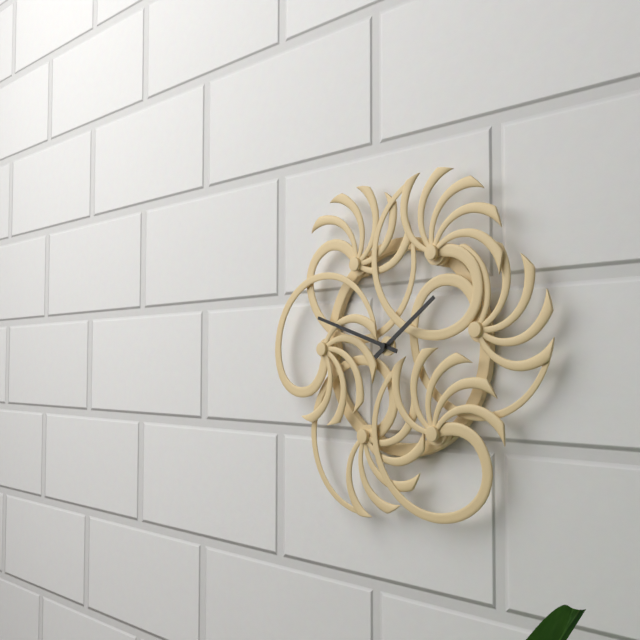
1:48
